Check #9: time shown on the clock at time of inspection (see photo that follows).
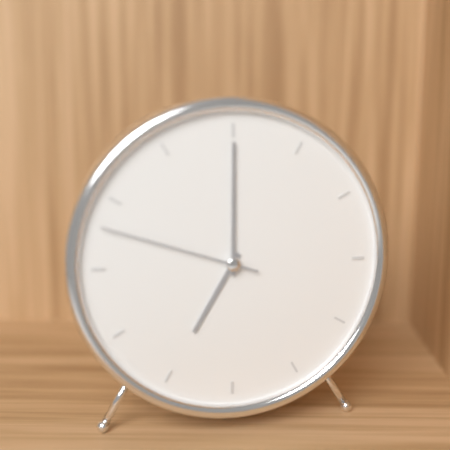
7:00:48
